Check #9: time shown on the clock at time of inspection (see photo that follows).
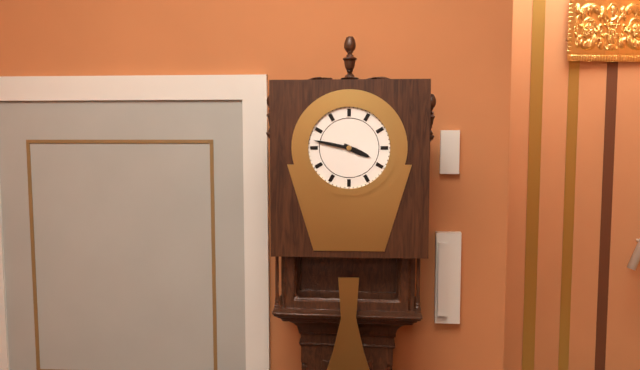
3:47
